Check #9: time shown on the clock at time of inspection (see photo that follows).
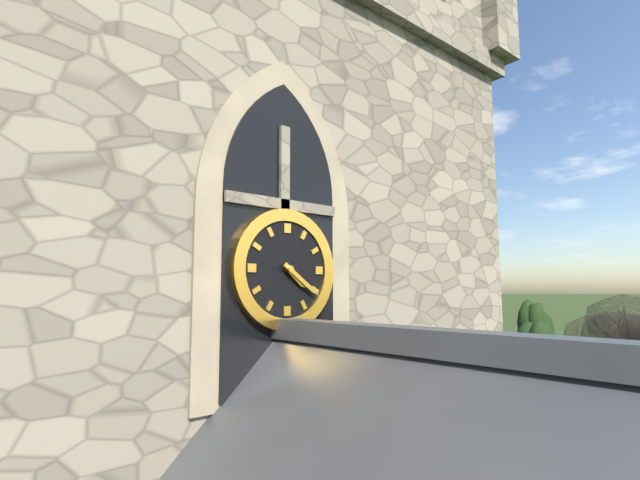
4:21
